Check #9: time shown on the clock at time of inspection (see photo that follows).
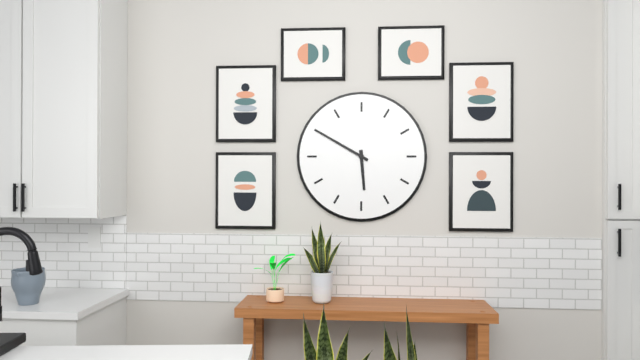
5:50
